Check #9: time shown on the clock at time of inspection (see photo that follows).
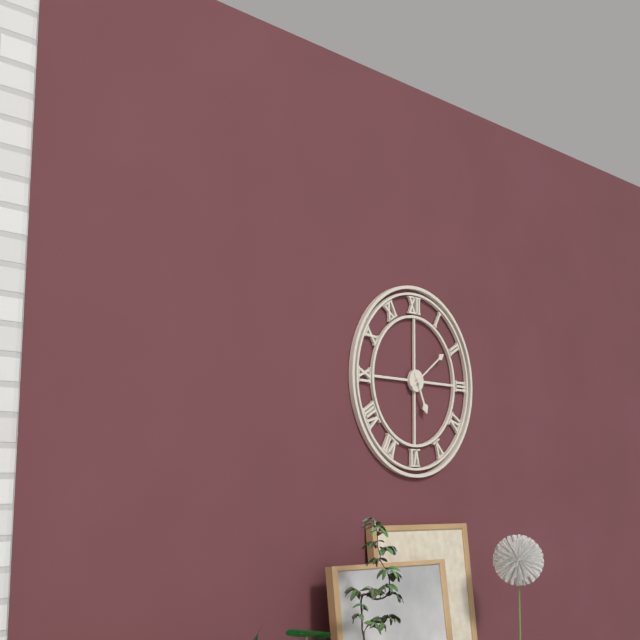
5:09
